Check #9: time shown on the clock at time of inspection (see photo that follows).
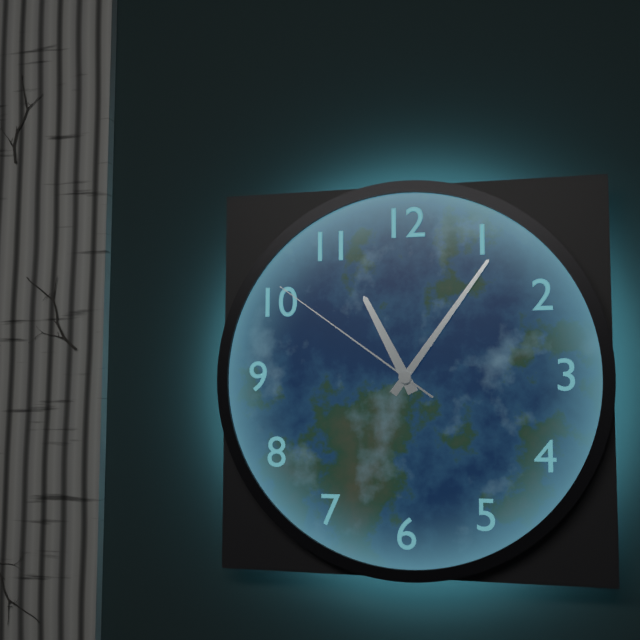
11:06:51
